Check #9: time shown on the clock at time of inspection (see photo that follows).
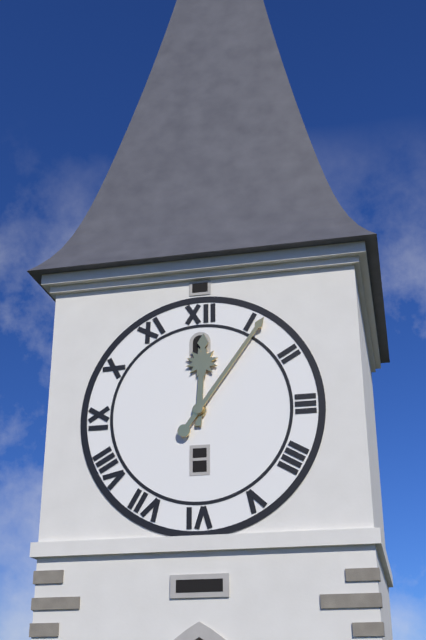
12:06
